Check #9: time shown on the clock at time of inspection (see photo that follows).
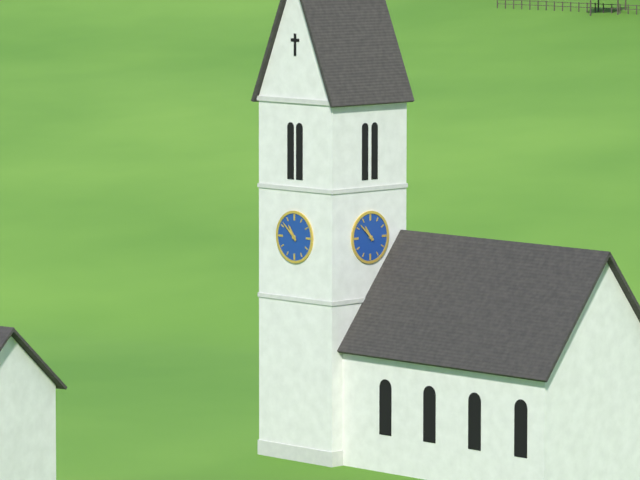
10:52
